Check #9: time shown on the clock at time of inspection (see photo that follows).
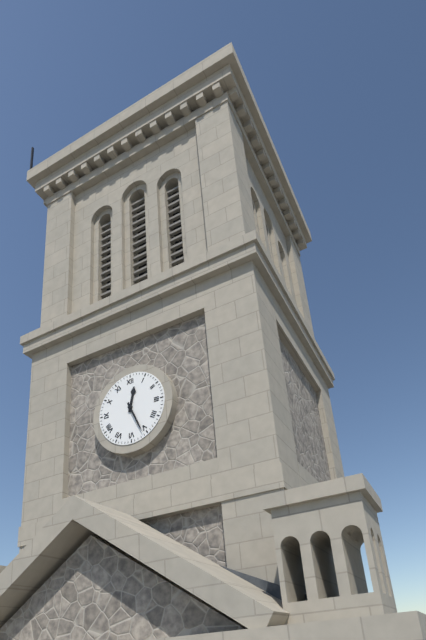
12:26
